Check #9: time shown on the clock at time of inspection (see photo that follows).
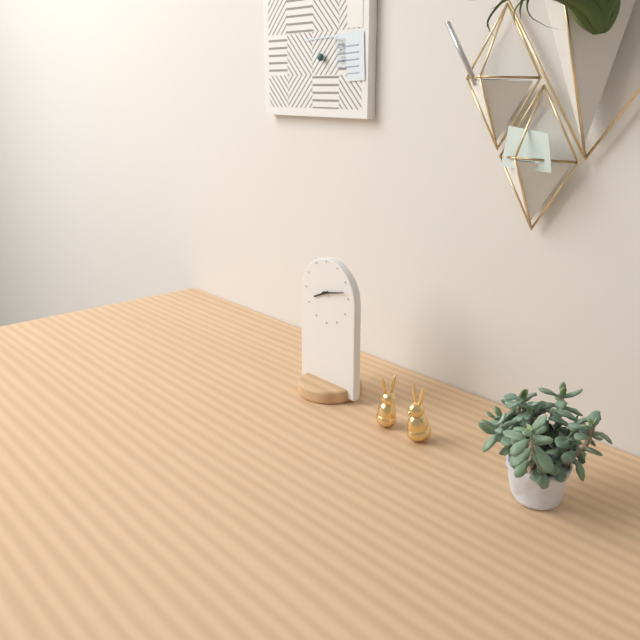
8:13
